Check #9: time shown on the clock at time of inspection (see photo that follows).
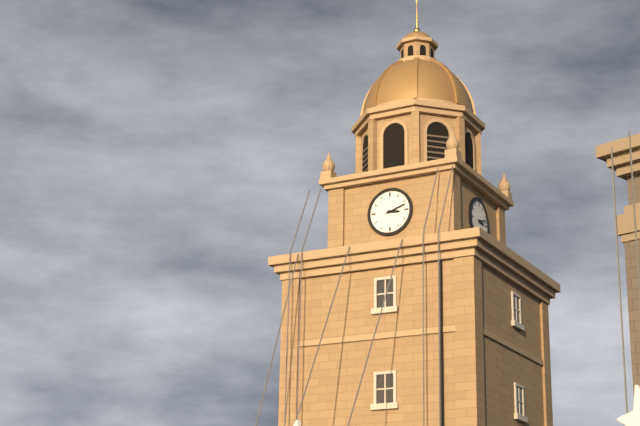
3:12
